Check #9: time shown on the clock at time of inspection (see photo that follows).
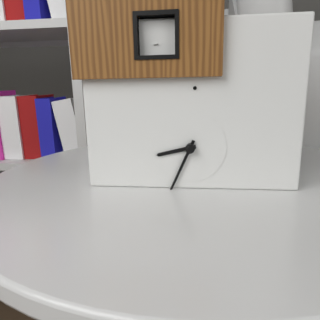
8:34
